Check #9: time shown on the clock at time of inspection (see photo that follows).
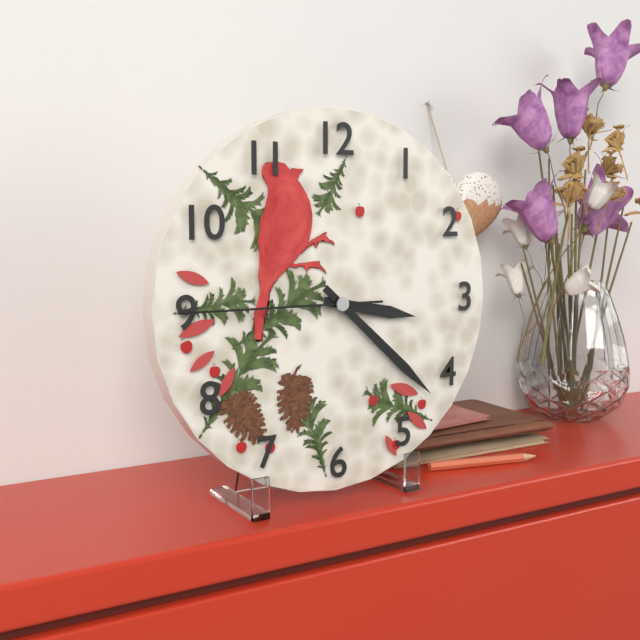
3:22:45
